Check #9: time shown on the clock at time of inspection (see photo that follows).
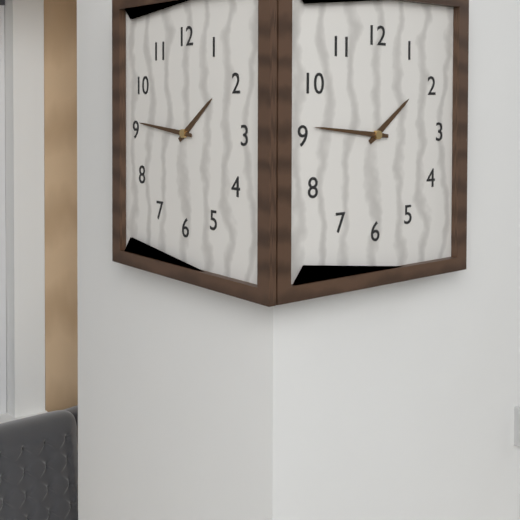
1:46
